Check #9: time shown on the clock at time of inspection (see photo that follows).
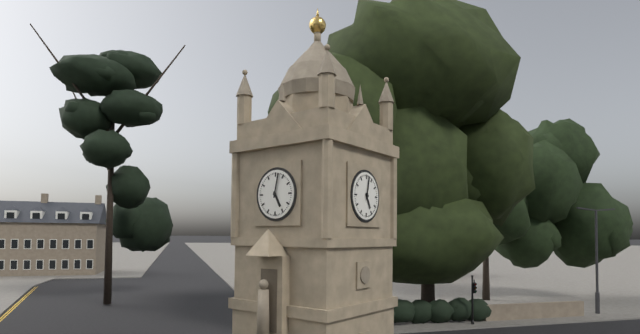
5:02
